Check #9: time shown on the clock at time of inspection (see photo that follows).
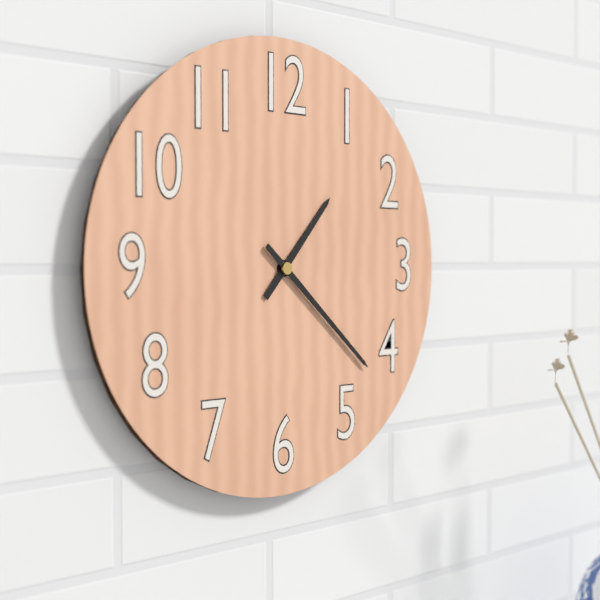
1:22
